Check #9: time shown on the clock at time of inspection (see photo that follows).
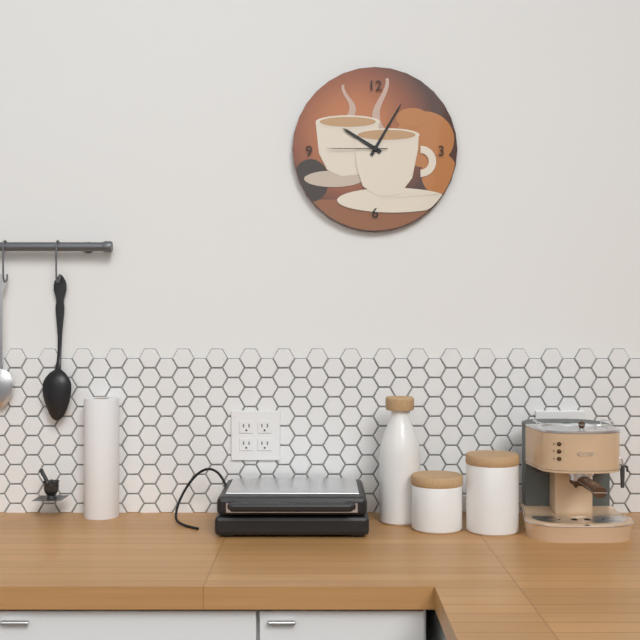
10:05:45
